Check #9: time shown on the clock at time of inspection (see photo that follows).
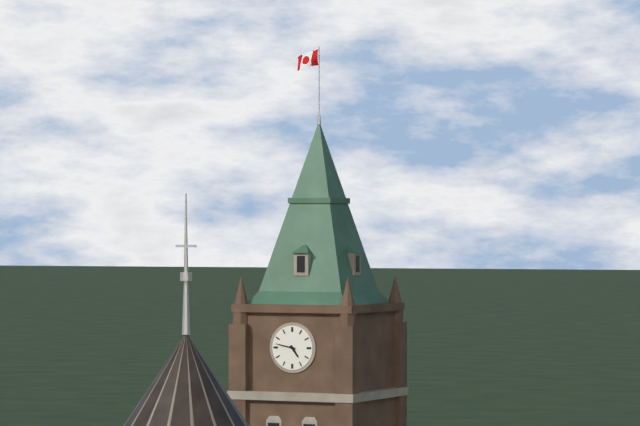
4:47
